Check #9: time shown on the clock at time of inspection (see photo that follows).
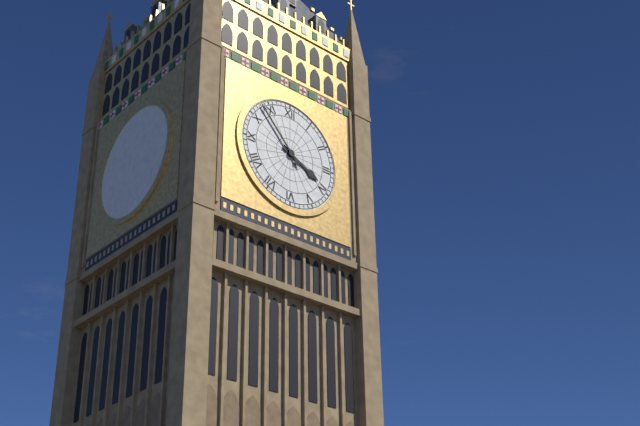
3:53
